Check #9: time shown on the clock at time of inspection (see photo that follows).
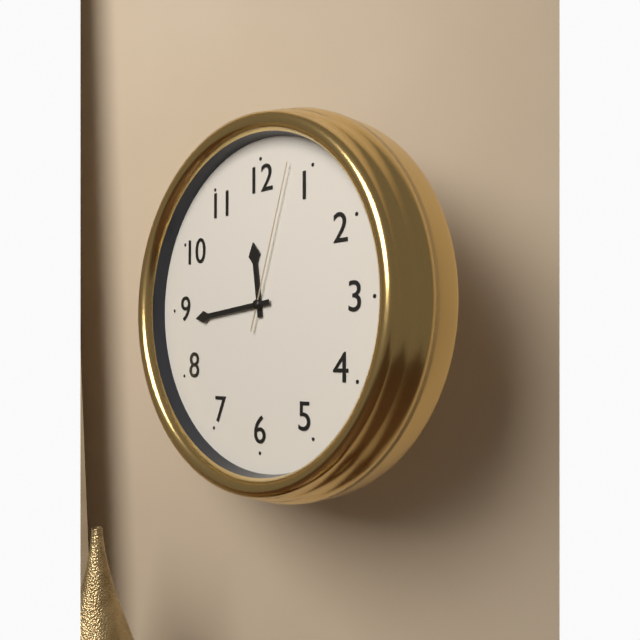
11:44:03
